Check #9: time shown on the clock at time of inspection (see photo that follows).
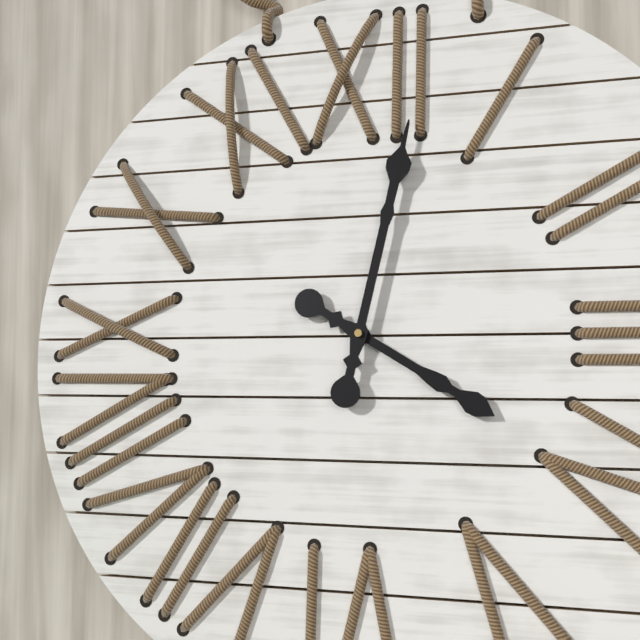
4:02
